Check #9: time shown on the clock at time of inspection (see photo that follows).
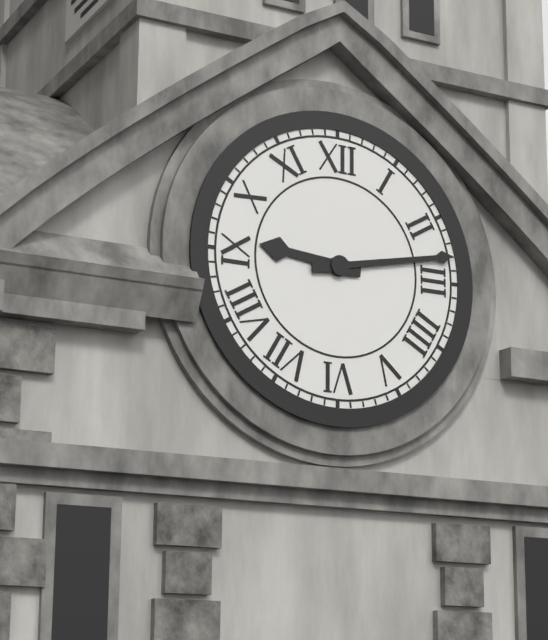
9:13
